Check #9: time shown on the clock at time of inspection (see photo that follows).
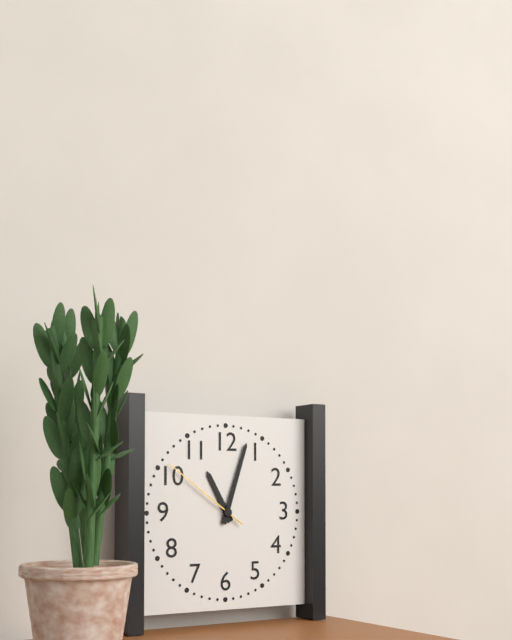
11:03:51
